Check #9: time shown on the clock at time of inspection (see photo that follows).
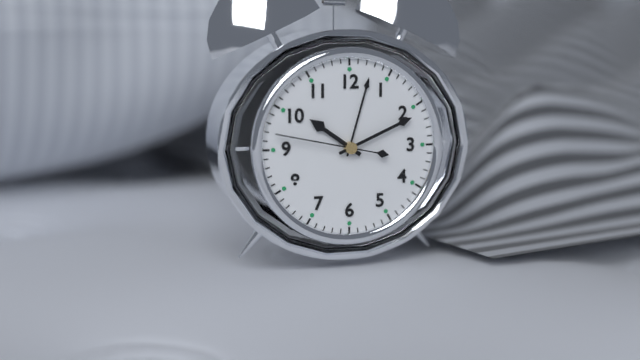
10:11:47
